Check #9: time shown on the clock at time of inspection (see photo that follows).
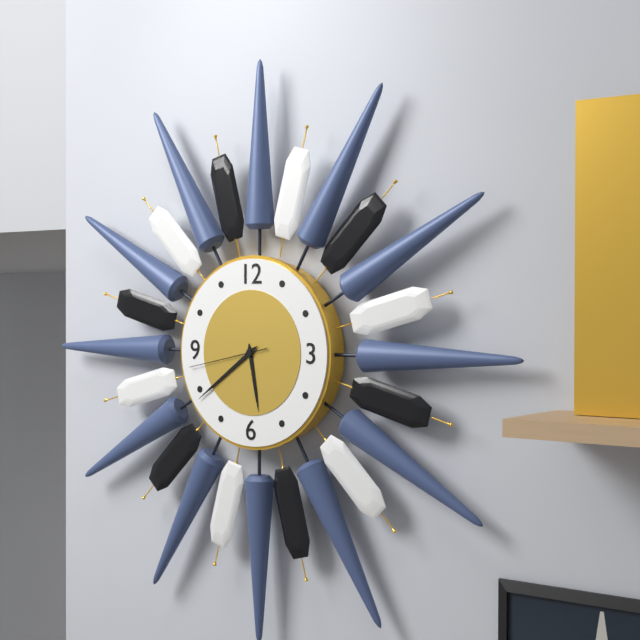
5:39:43
